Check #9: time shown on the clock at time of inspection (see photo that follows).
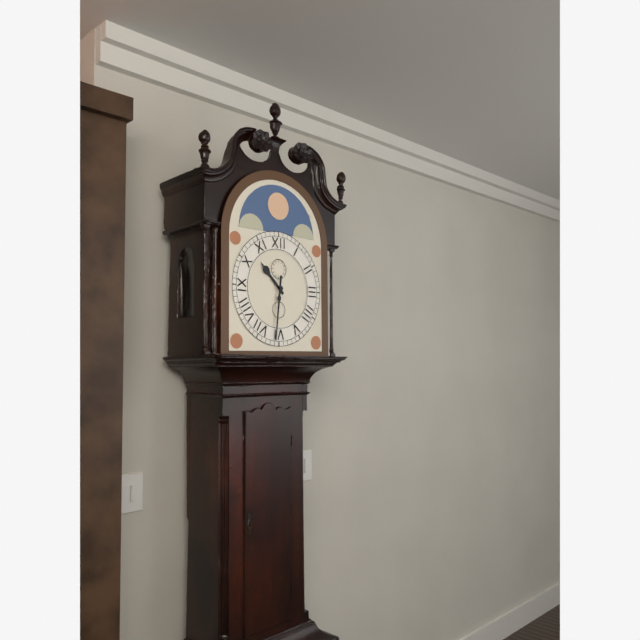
10:31
